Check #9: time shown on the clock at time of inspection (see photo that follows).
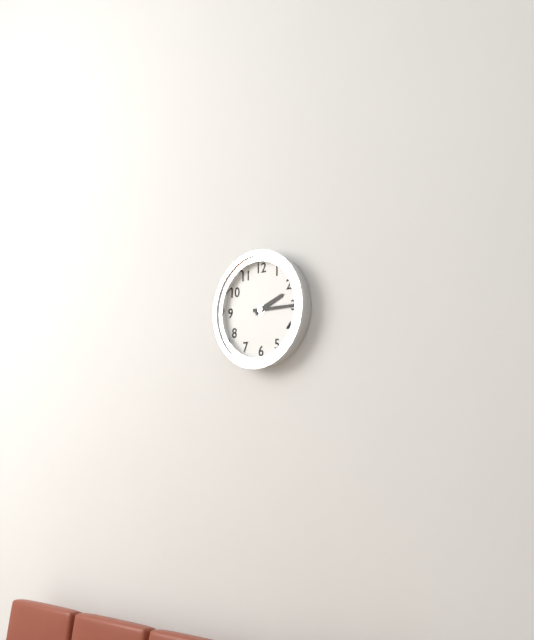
2:15
